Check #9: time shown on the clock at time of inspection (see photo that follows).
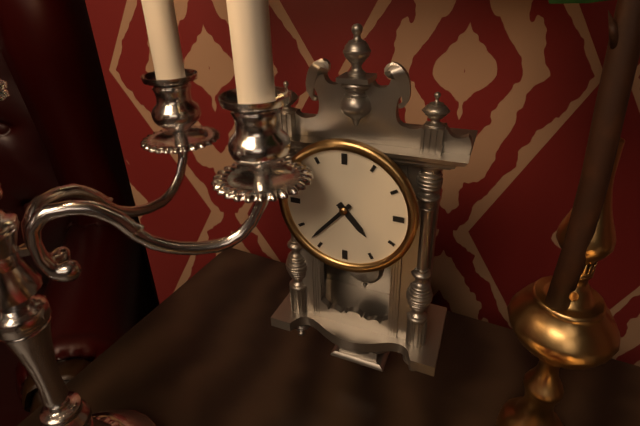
4:37
